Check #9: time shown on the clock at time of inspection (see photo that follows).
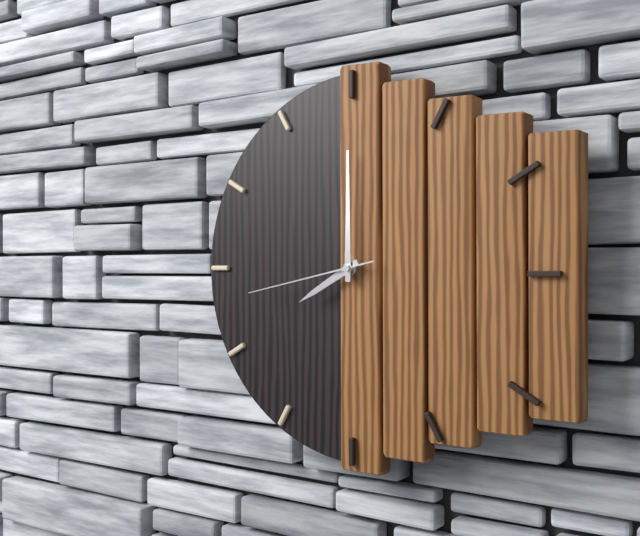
8:00:43
